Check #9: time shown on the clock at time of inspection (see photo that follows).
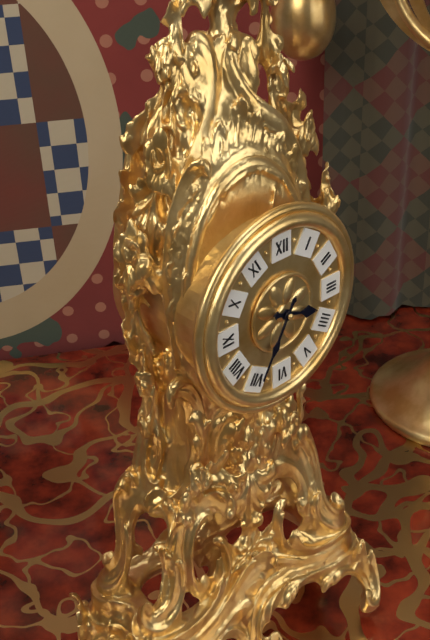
3:35
